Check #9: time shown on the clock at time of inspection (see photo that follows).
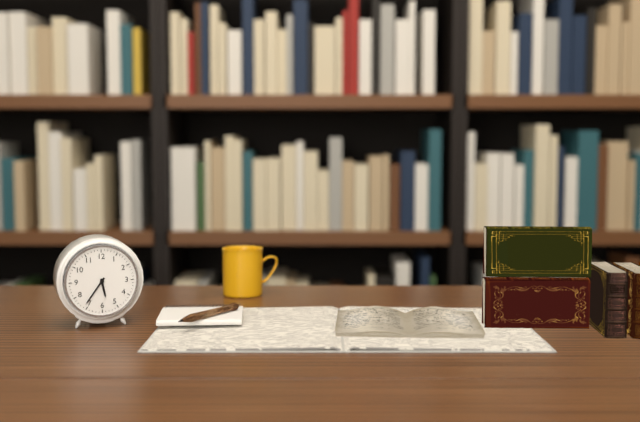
5:36
